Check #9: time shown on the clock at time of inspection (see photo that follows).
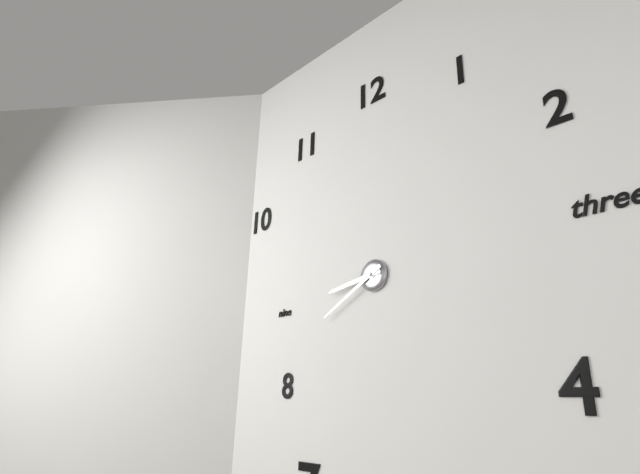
8:40
